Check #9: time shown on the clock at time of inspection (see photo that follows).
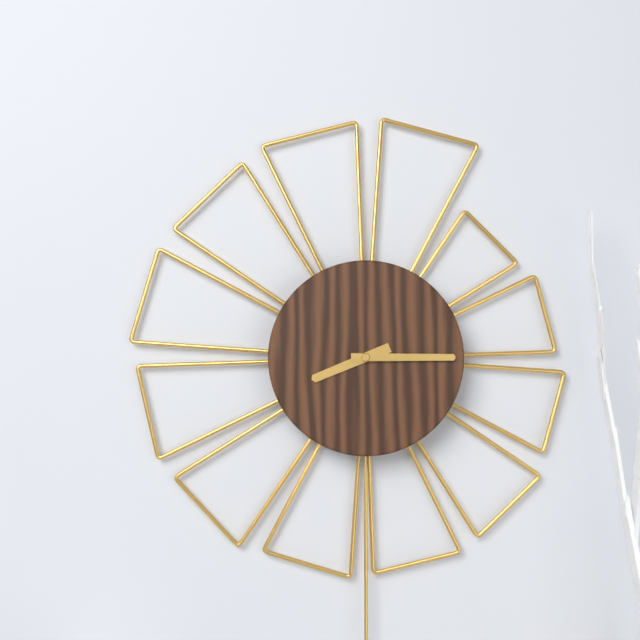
8:15
